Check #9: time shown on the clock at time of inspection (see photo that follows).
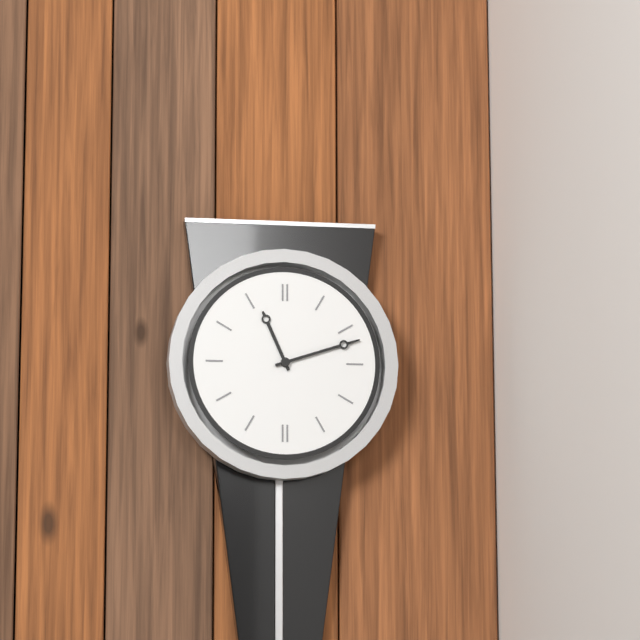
11:12
